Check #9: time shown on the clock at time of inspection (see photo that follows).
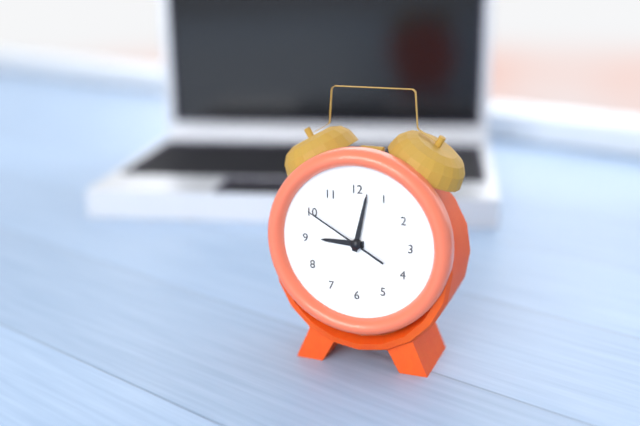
9:02:50
